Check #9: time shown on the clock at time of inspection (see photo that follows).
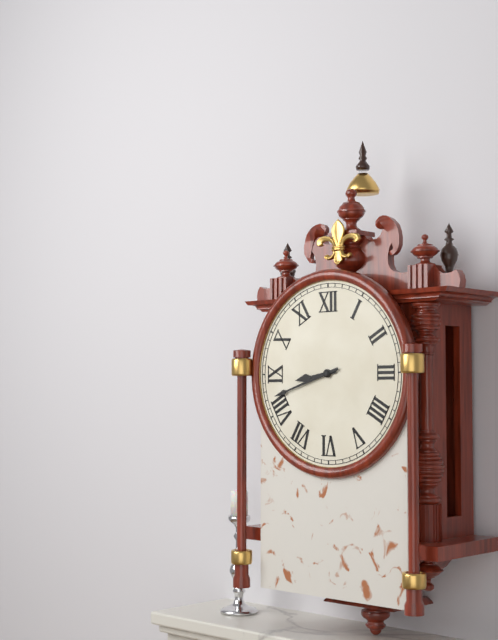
8:42
